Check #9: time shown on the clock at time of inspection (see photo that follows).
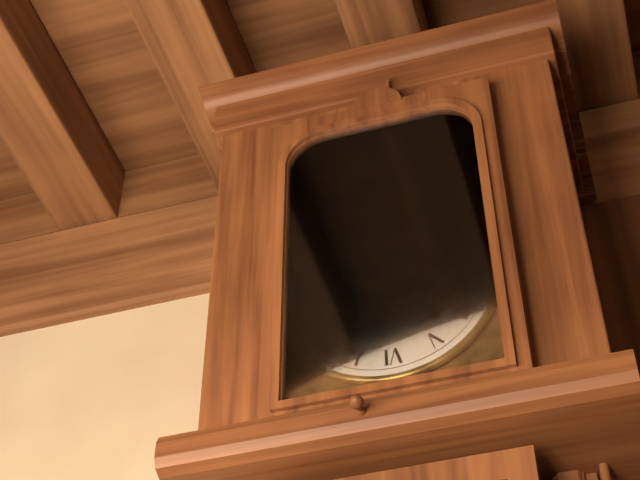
3:17
